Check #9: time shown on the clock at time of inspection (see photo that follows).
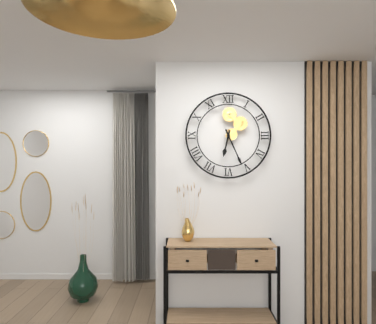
6:26
